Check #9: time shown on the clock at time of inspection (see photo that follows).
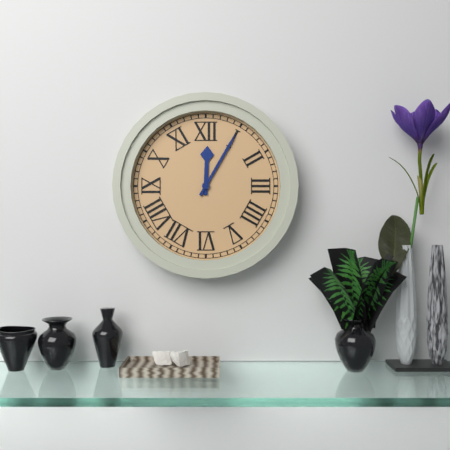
12:05
